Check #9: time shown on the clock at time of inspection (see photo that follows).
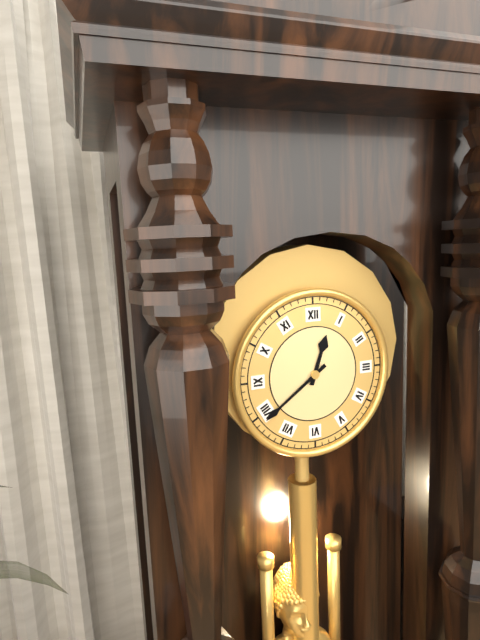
12:39
